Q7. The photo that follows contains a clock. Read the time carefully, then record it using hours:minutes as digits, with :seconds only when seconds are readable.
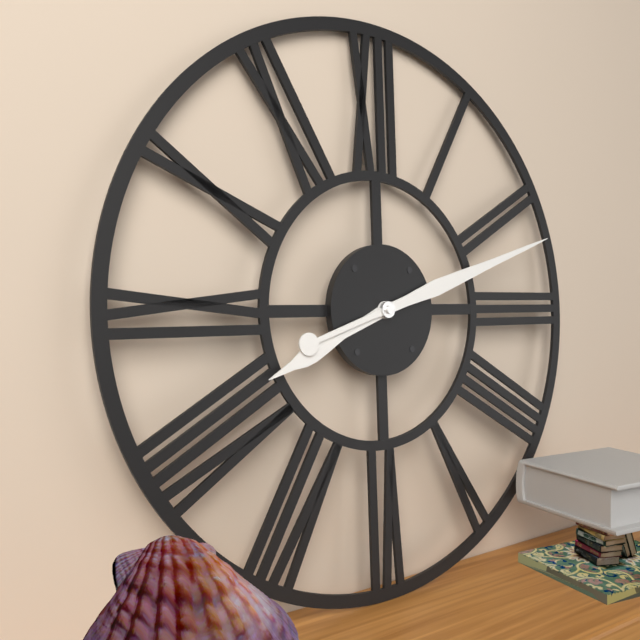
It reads 8:12
